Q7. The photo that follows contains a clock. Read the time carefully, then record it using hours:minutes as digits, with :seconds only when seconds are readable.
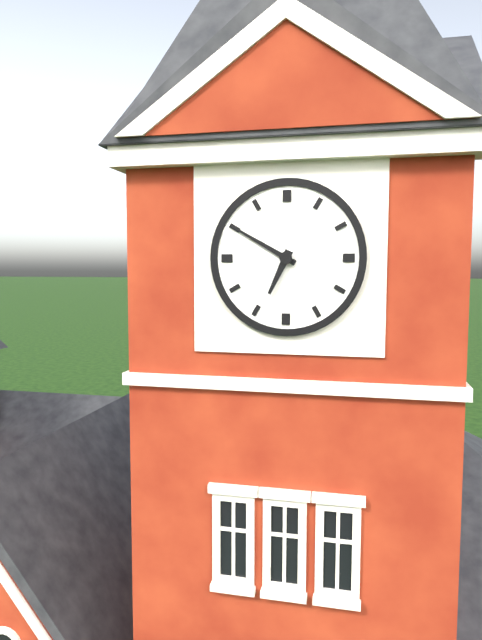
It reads 6:50
